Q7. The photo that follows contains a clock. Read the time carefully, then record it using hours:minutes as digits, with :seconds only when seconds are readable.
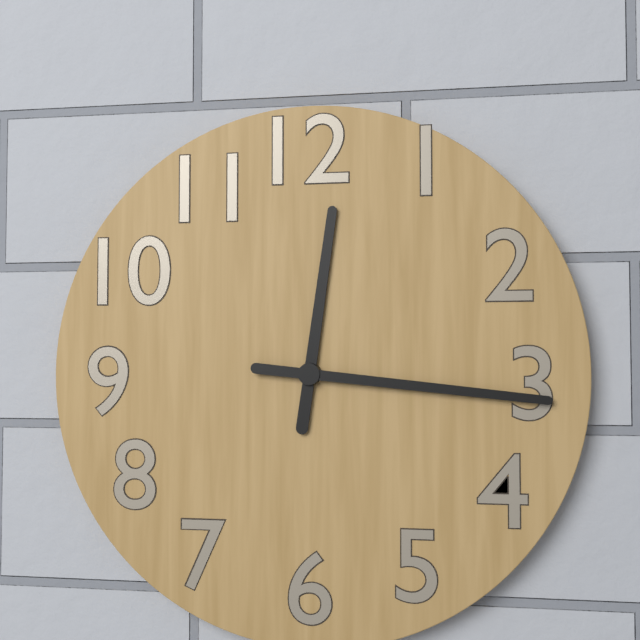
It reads 12:16
